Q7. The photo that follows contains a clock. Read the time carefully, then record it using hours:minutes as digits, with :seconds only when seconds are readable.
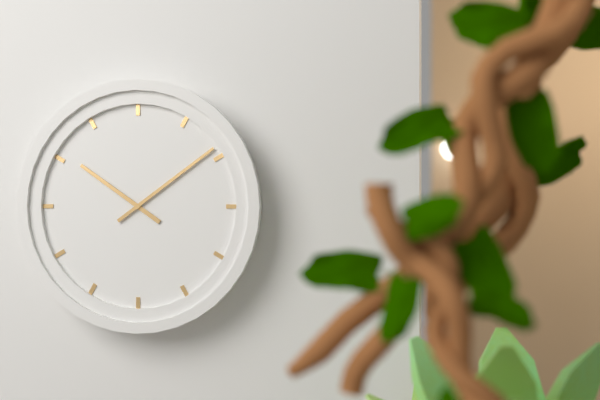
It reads 10:09
